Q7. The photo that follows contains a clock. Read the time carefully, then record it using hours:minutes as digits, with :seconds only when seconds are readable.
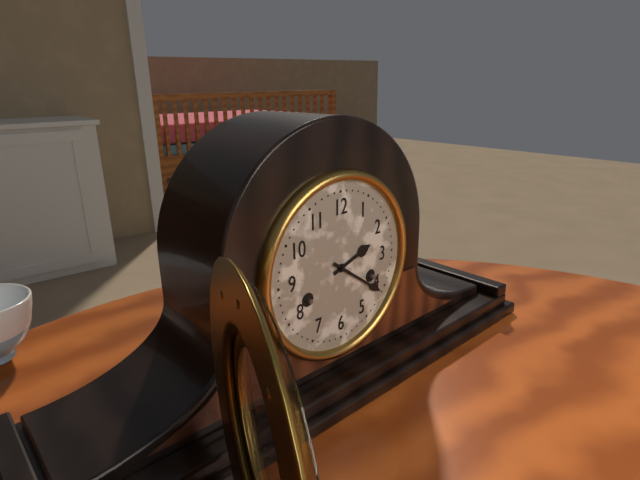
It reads 2:21
